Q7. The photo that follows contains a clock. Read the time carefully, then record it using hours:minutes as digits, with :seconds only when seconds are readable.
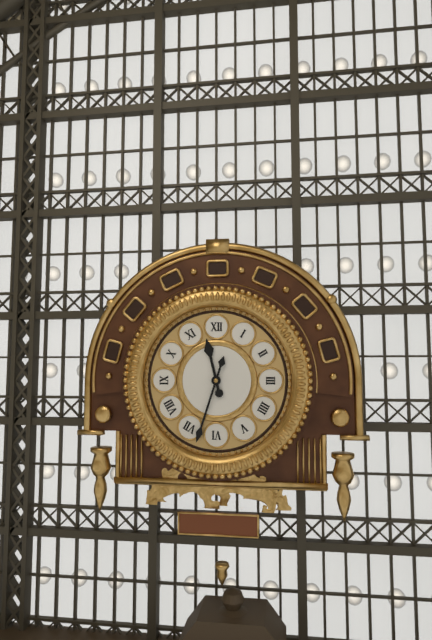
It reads 11:33
